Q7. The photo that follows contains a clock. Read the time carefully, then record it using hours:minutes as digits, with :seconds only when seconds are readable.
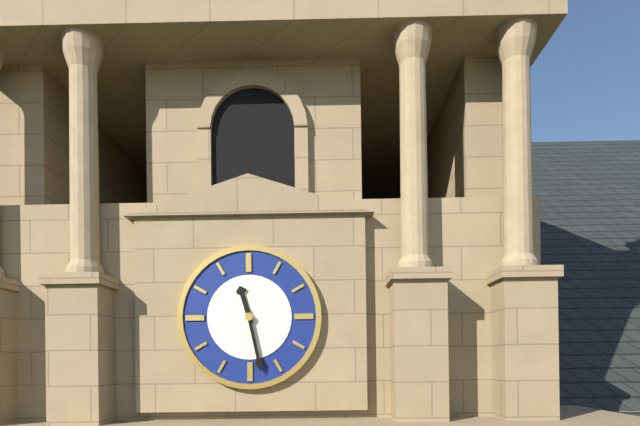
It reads 11:28
